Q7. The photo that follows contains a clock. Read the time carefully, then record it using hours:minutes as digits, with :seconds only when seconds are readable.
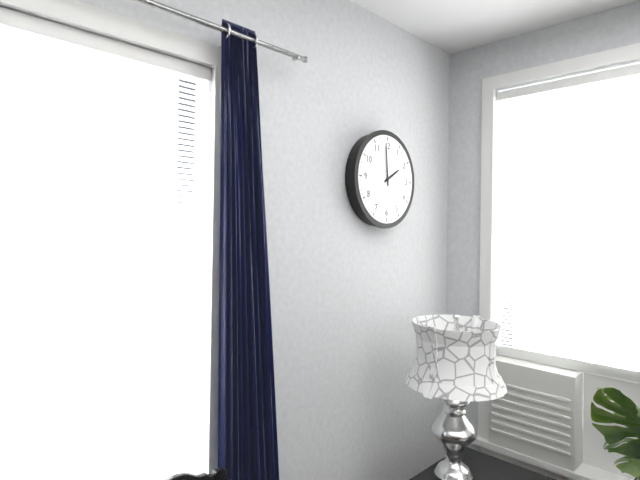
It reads 1:59
